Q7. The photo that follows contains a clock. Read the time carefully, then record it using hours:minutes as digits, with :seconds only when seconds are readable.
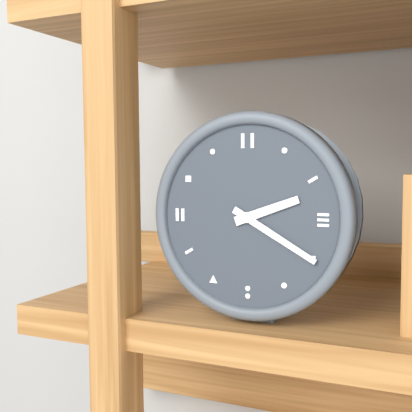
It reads 2:20
